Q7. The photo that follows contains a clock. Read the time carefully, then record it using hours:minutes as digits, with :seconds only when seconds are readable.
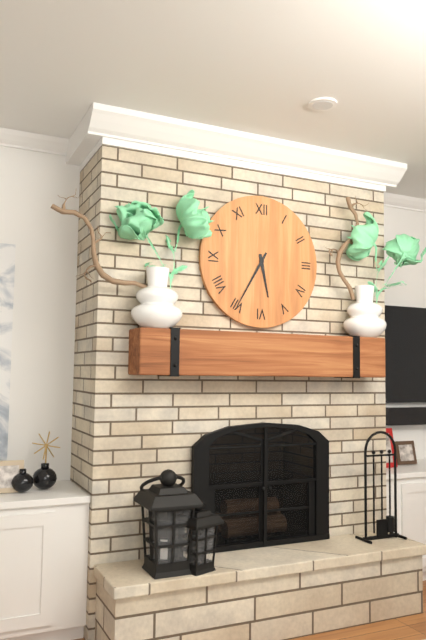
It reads 5:35
